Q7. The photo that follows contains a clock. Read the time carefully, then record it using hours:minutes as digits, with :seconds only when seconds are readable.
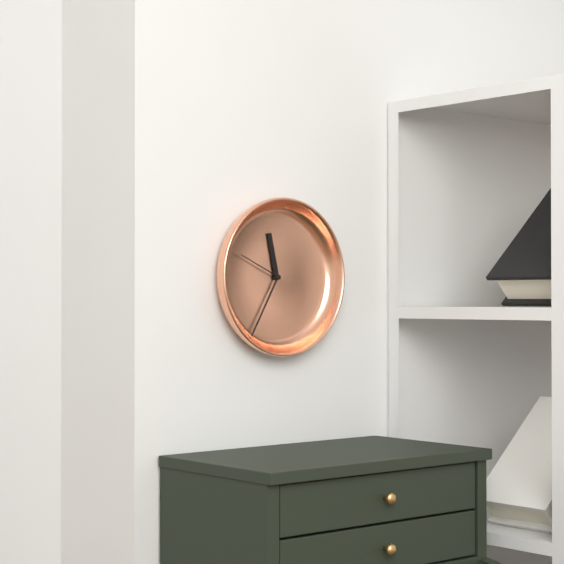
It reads 11:35:49
